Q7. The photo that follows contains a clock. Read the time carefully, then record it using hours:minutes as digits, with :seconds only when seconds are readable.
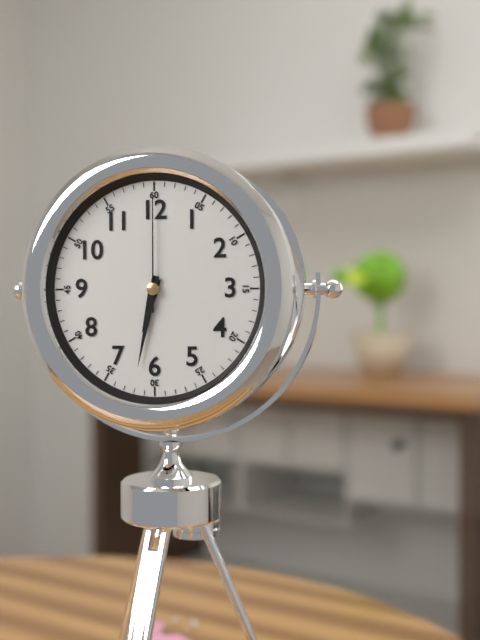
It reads 6:32:00
